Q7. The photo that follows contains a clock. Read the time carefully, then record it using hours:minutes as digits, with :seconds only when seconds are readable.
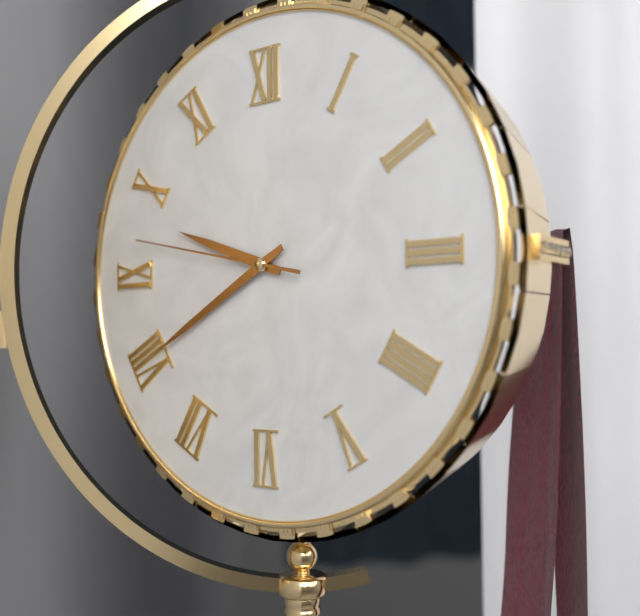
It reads 9:40:47
